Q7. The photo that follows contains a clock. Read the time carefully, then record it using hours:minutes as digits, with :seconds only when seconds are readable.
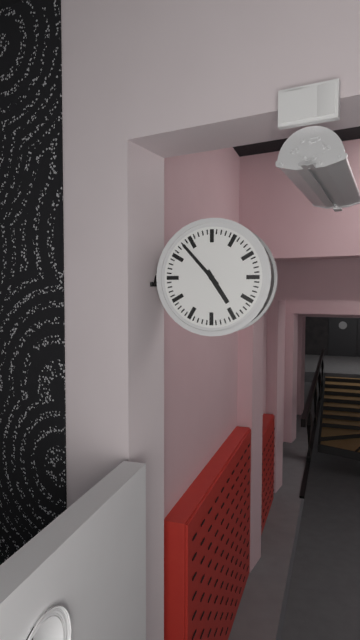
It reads 4:53
